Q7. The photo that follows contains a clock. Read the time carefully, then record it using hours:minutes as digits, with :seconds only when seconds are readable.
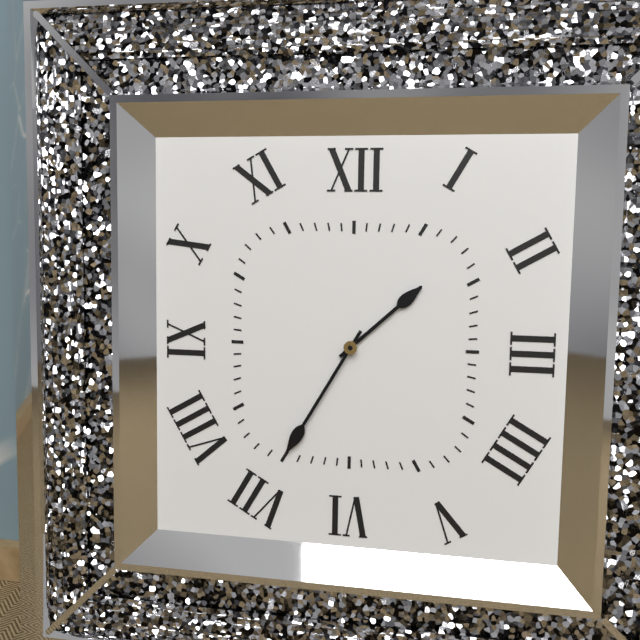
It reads 1:35
